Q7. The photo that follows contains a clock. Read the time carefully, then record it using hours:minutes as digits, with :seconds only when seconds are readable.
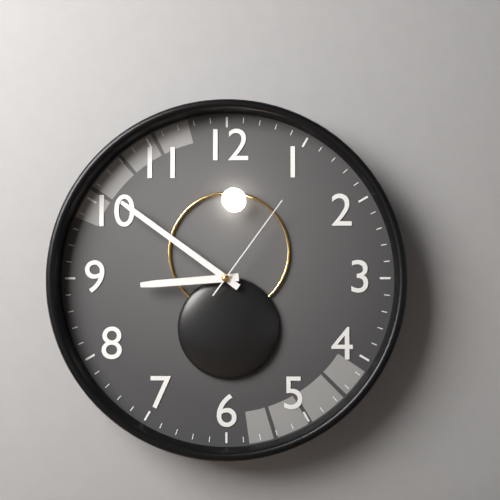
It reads 8:51:06
